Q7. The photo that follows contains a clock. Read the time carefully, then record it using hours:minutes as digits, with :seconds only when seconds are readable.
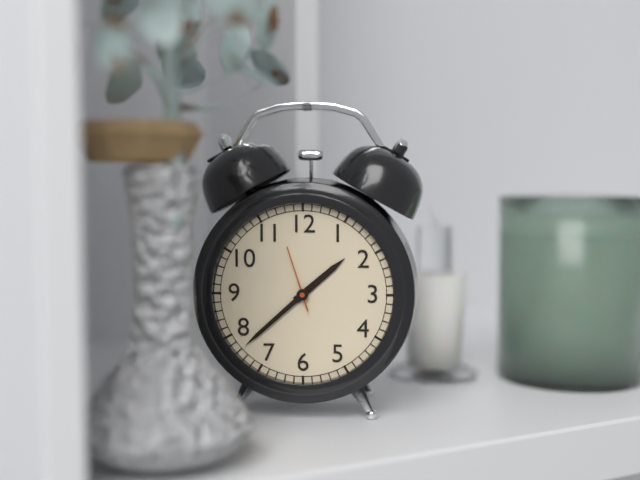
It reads 1:38:57
